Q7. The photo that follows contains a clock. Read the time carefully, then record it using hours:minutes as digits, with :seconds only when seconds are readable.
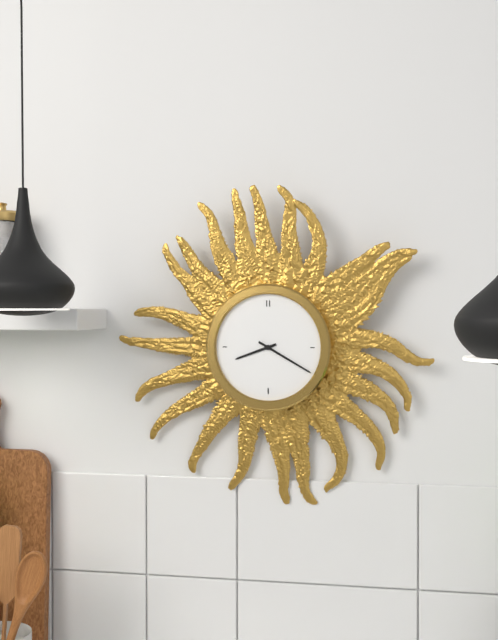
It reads 8:20
